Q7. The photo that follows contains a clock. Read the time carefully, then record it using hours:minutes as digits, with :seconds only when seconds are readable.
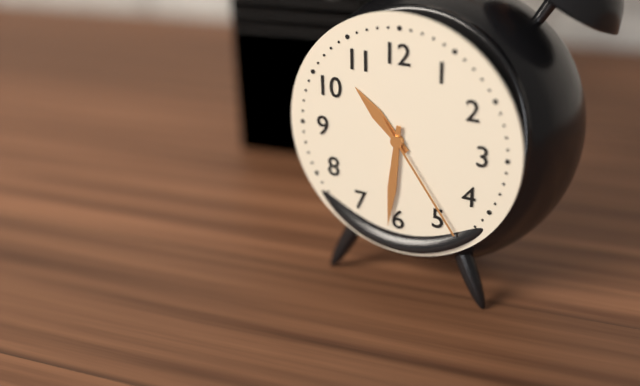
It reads 10:31:24
